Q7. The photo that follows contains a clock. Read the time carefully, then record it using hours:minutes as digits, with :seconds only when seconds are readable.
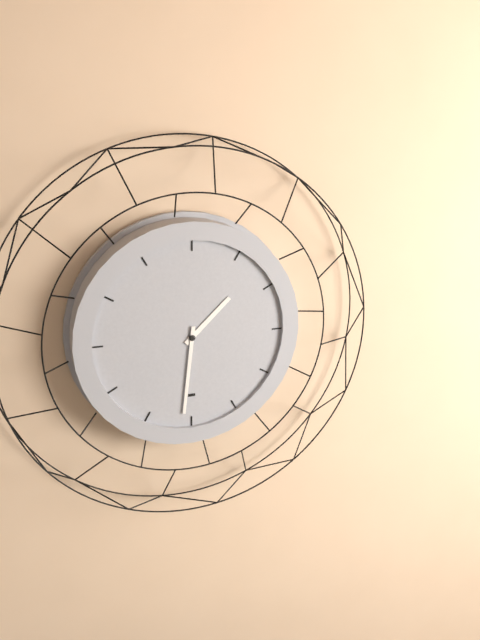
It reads 1:31
